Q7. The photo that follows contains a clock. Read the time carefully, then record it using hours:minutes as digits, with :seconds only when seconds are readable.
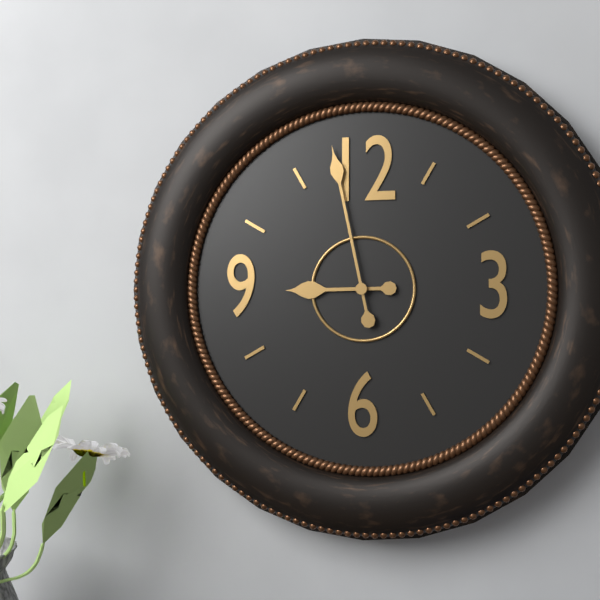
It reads 8:58
